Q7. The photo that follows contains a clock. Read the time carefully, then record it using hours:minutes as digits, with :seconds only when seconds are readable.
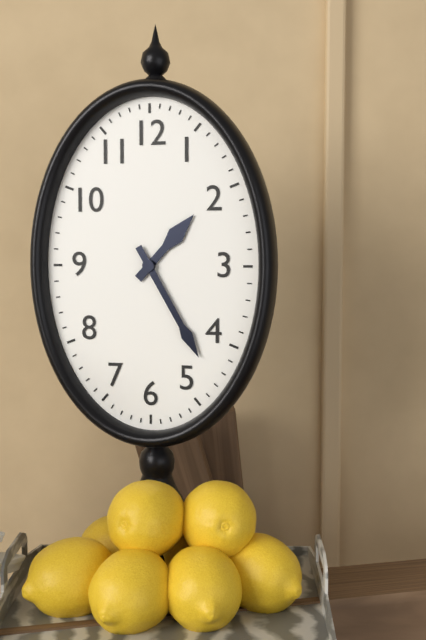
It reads 1:25
